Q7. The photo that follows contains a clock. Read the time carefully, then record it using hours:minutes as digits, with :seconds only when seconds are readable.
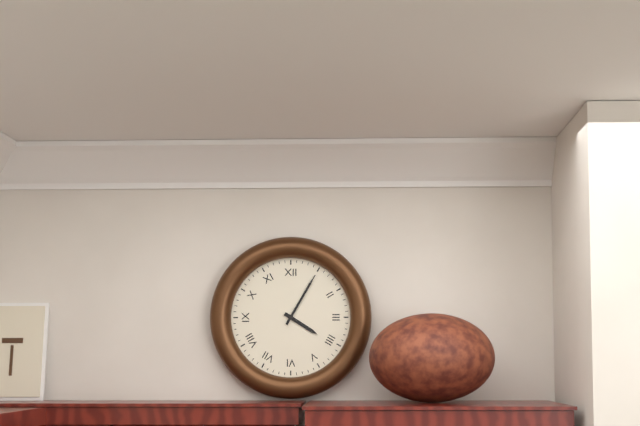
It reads 4:05
